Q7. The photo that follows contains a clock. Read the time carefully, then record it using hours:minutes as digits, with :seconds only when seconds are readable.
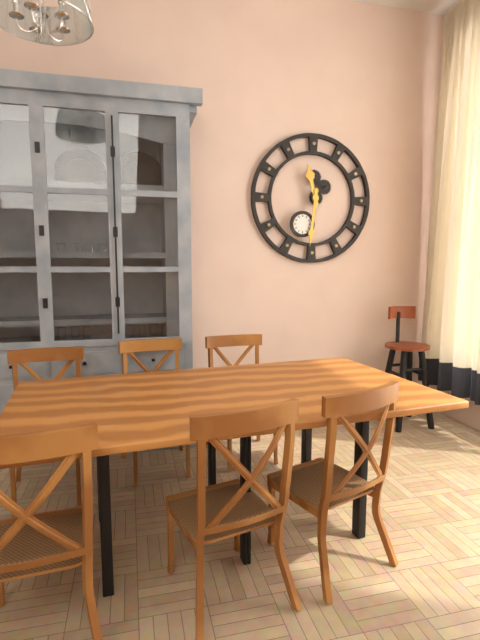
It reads 11:31
